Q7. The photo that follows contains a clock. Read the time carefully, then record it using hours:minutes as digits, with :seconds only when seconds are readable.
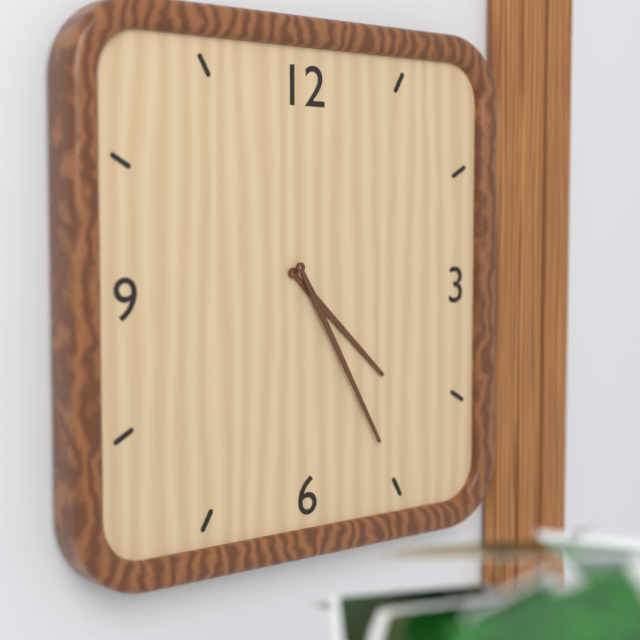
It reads 4:25
